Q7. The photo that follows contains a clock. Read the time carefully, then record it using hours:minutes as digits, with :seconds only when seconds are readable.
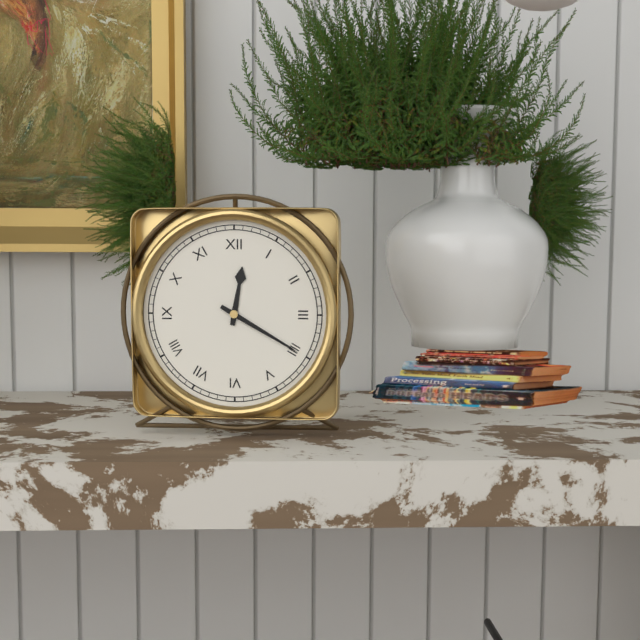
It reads 12:20
